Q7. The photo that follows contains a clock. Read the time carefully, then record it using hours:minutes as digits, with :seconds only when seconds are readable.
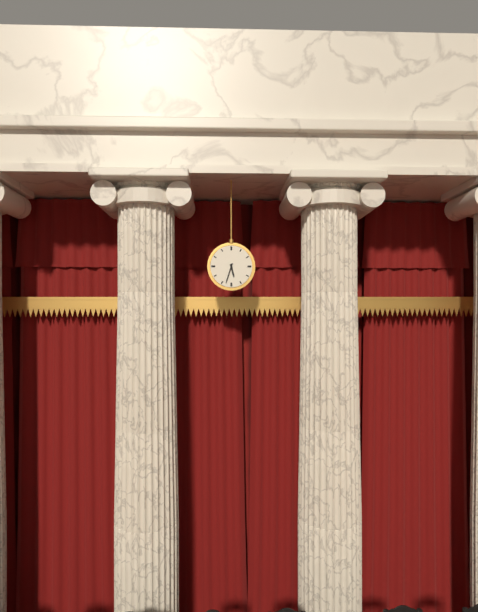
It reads 5:33
